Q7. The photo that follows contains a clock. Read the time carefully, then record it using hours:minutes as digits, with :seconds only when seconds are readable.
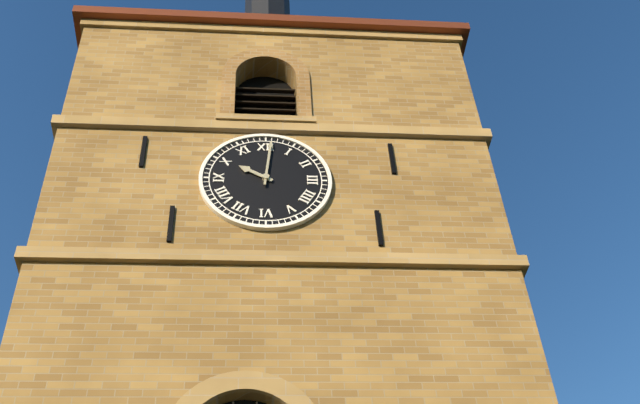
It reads 10:01
